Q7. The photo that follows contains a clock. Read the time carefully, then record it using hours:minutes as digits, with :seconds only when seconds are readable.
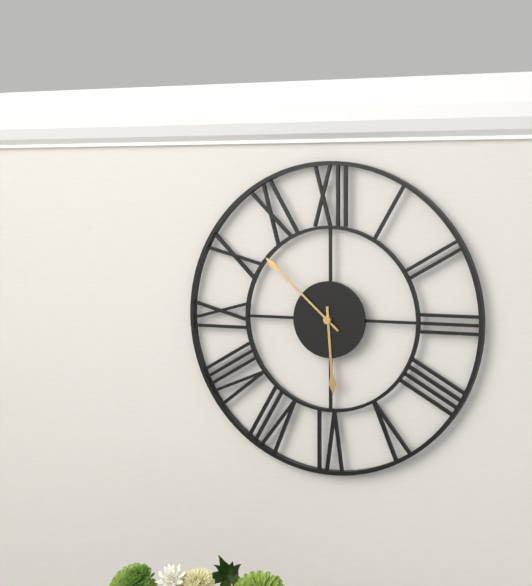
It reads 5:52
